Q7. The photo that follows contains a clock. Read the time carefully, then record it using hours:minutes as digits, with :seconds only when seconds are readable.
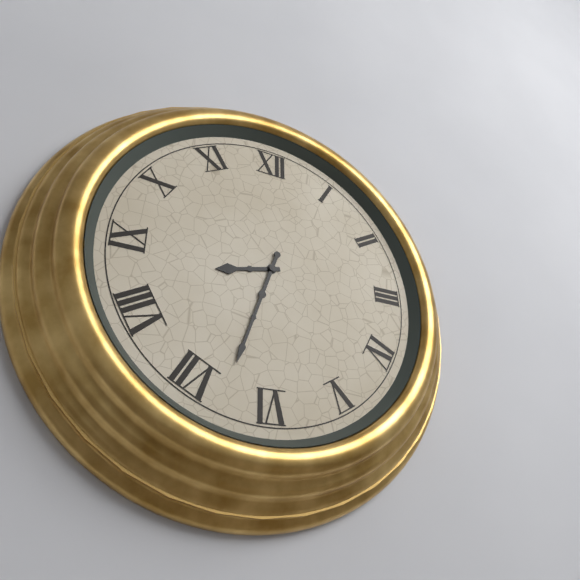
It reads 8:33
